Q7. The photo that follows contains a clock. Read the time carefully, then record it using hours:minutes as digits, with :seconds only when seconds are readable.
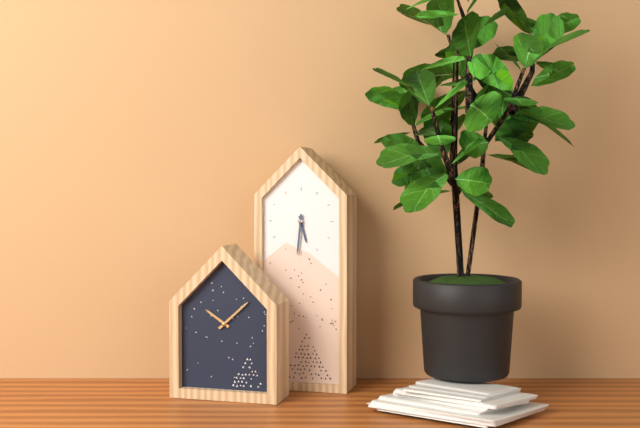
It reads 5:31
